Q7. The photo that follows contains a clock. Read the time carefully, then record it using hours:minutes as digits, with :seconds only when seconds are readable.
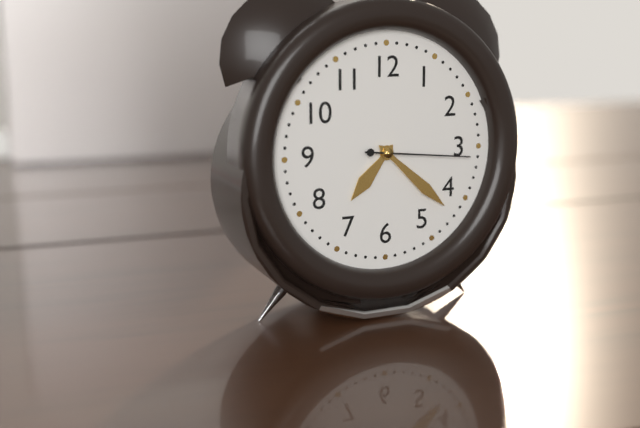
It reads 7:22:16
